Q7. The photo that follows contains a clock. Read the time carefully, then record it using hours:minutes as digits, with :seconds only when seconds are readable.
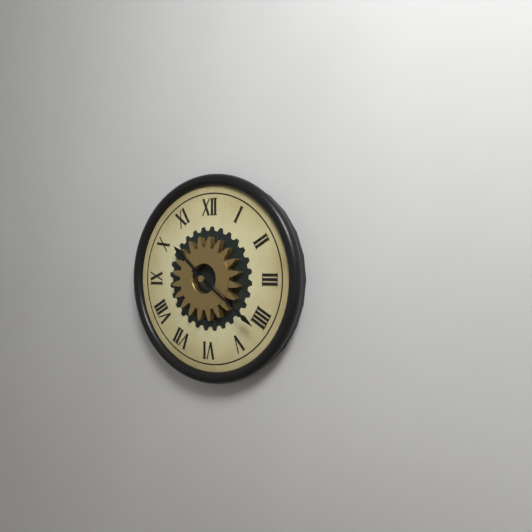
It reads 10:21
